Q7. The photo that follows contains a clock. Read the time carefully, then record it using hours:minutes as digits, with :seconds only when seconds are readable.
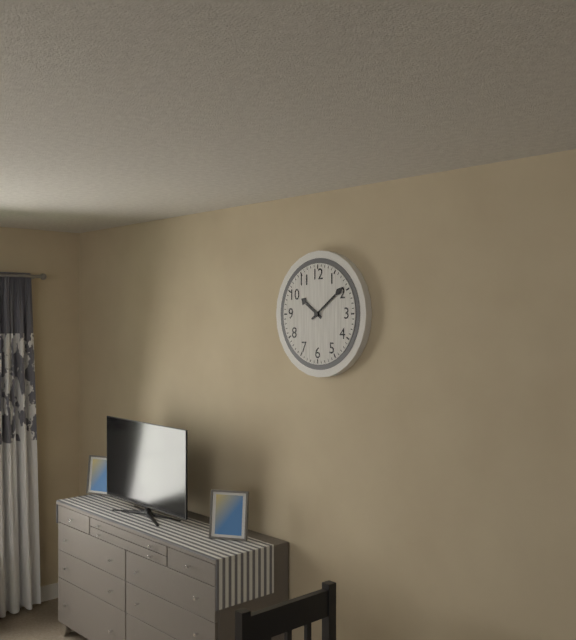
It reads 10:09
